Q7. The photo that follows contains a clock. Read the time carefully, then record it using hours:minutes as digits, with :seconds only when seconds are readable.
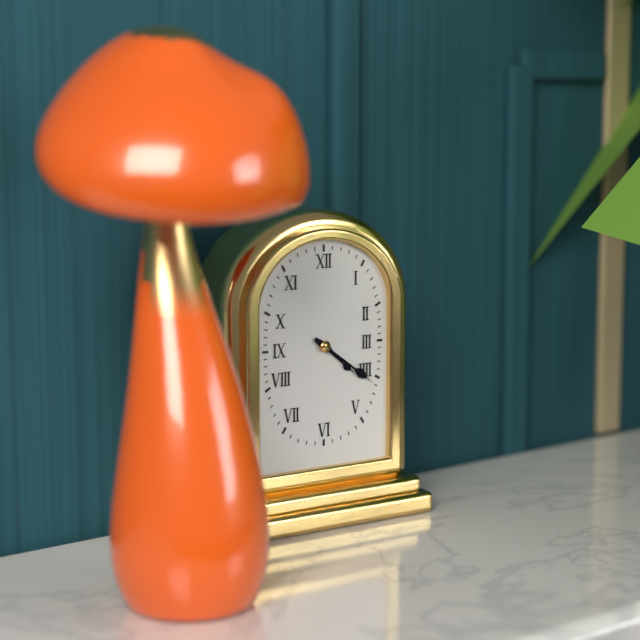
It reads 4:21
